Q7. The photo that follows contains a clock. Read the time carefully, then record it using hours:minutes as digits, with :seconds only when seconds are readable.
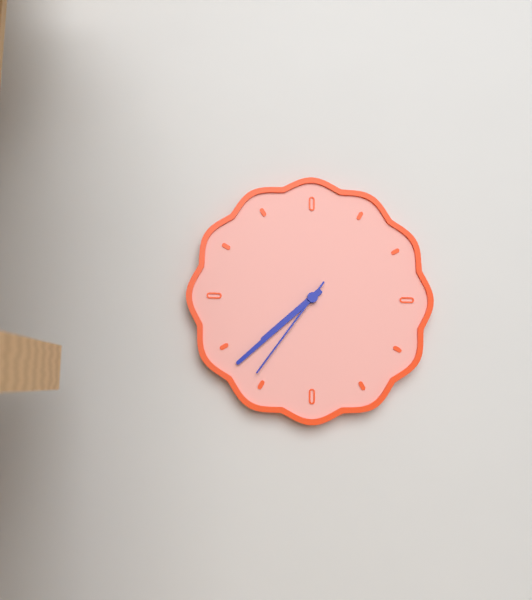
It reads 7:38:36
